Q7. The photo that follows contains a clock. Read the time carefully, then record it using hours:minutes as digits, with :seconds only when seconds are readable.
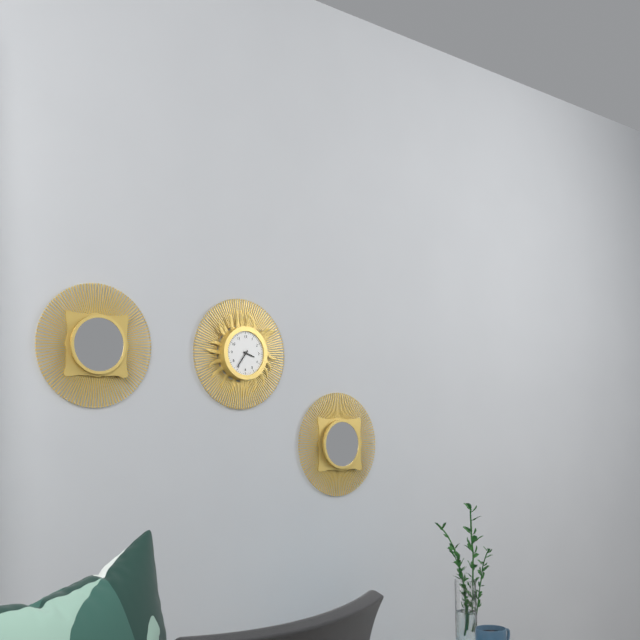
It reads 3:36
